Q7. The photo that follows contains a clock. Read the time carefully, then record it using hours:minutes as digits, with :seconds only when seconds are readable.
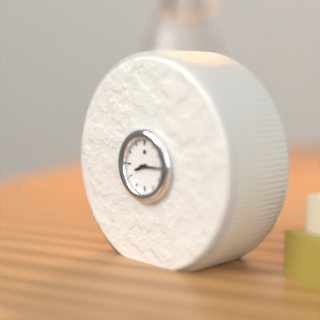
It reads 8:15
